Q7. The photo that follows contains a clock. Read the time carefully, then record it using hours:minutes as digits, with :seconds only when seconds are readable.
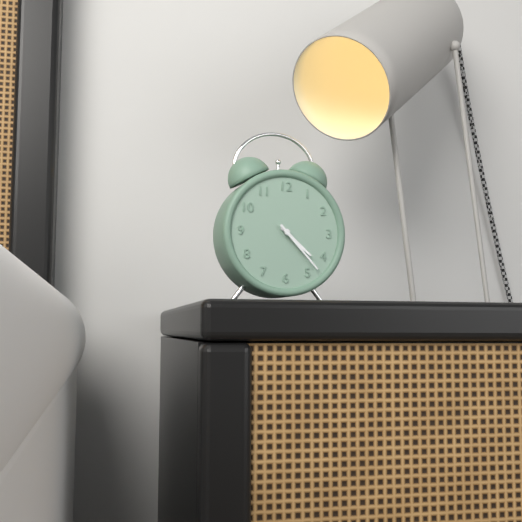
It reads 4:23
